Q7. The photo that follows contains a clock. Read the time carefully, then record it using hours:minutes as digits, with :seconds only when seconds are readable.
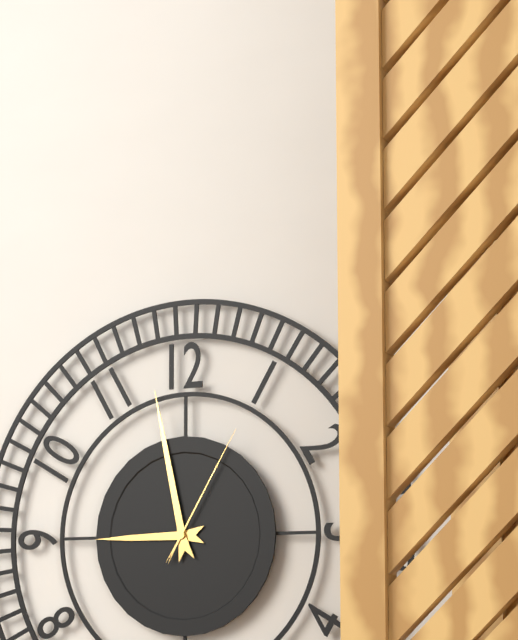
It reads 8:58:05
